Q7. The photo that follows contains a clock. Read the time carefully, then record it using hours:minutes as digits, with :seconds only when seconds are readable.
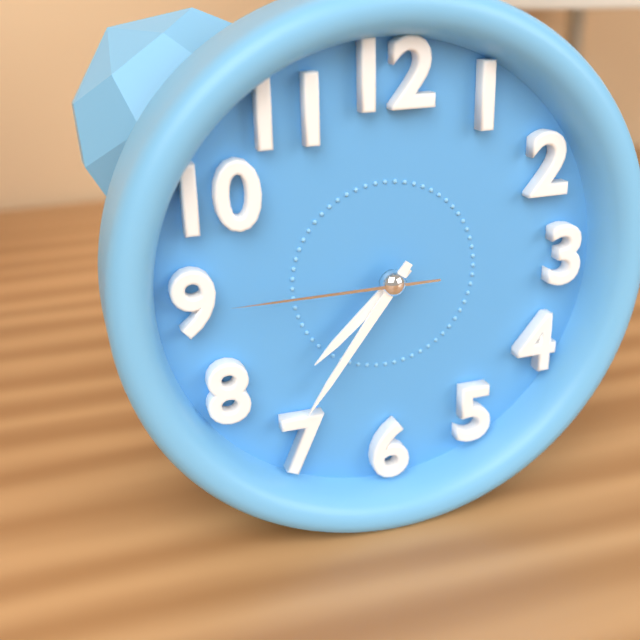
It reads 7:36:45
